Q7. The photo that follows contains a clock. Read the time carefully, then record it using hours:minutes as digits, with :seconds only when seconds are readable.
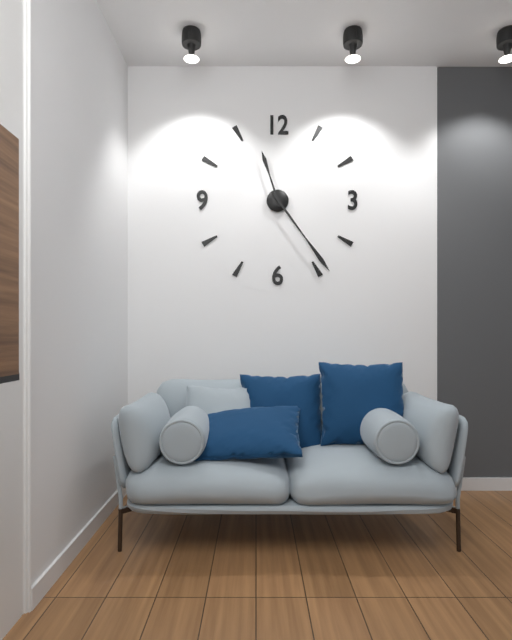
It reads 11:24
